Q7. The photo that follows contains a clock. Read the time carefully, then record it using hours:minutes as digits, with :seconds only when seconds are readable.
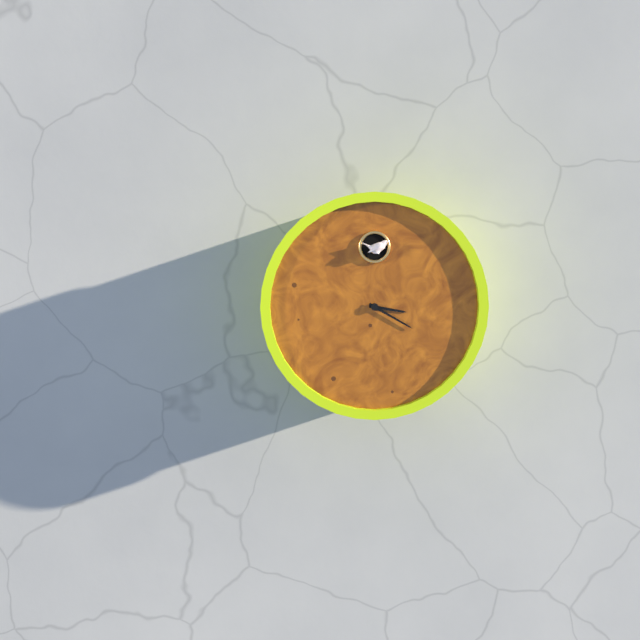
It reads 3:20
